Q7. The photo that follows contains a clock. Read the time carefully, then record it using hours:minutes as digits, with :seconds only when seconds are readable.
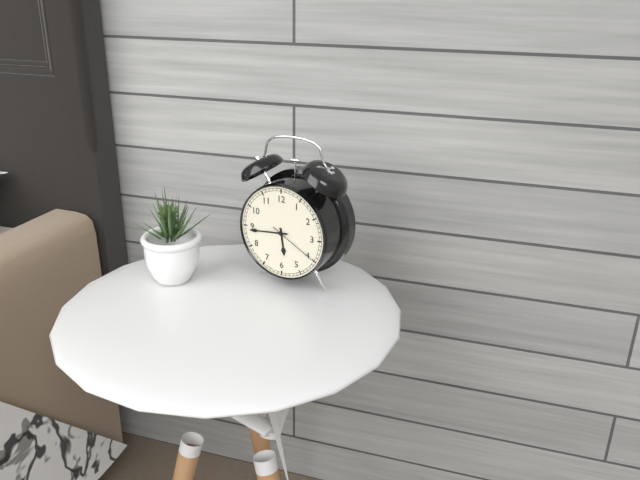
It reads 5:44
